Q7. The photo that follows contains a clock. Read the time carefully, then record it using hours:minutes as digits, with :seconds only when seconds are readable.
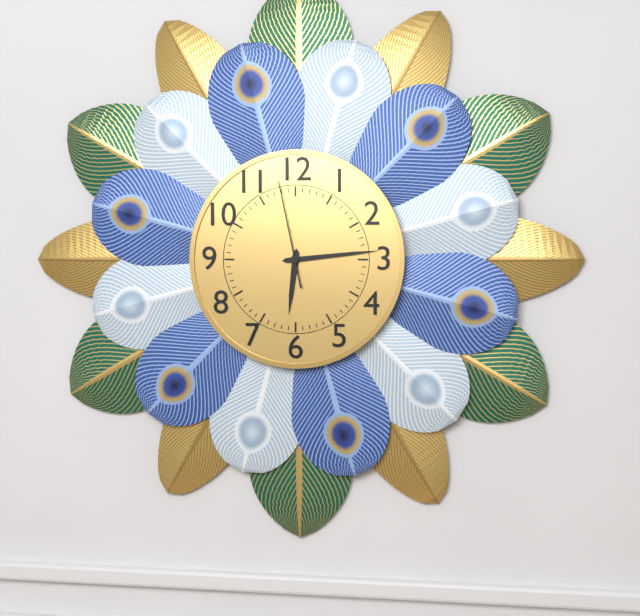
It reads 6:14:58
